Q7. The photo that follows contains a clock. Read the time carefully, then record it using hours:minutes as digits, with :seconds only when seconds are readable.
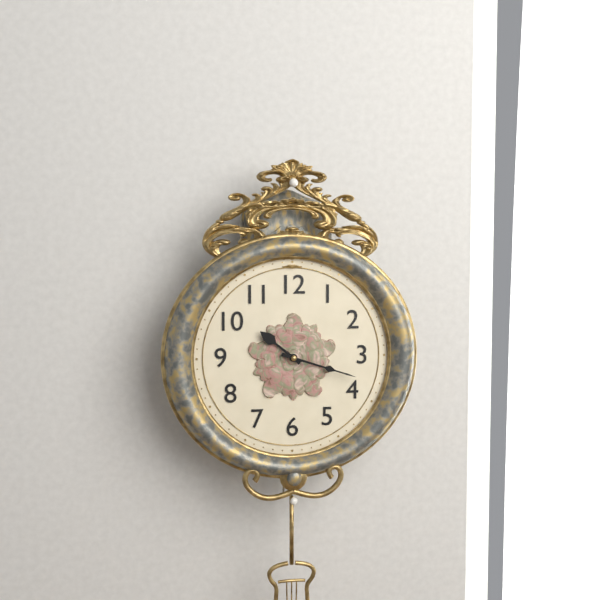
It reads 10:18
